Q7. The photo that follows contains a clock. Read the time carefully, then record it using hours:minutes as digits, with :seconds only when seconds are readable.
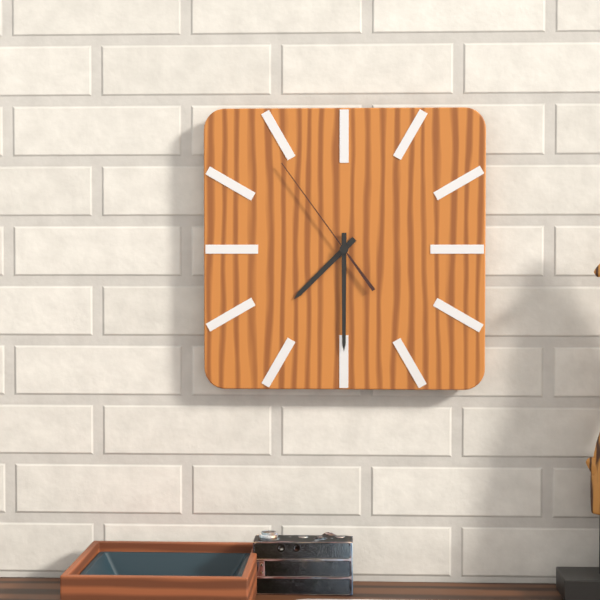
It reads 7:30:54
